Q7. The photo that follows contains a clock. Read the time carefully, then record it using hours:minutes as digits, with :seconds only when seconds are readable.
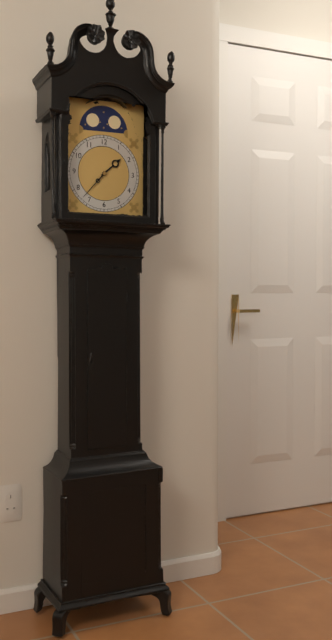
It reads 1:37
